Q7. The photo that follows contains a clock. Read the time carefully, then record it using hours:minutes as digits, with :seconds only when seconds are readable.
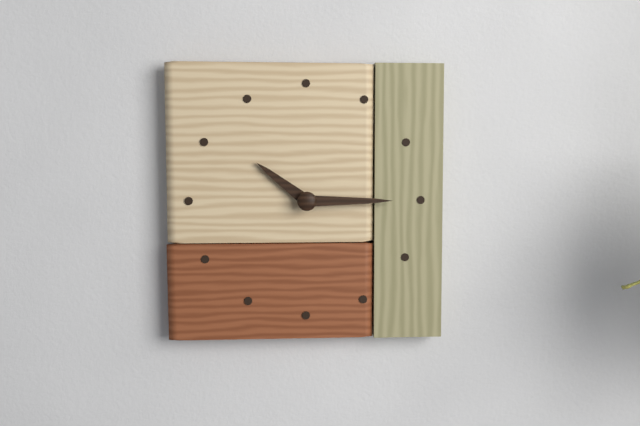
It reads 10:15
